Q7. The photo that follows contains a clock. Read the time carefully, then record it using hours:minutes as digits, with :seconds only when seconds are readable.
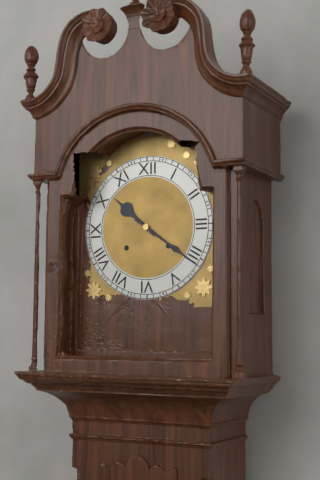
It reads 10:21
